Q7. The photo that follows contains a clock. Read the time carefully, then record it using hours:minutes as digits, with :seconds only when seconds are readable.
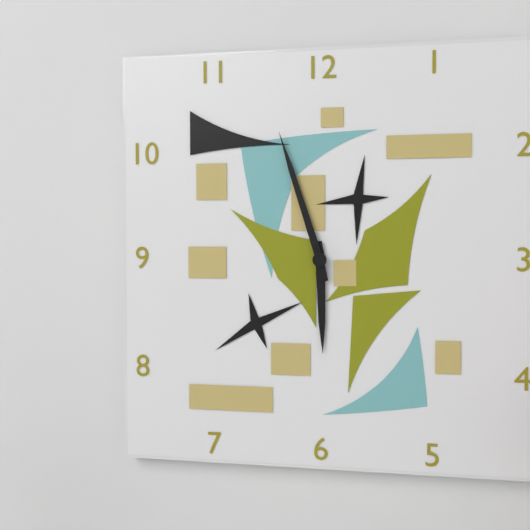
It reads 5:57
